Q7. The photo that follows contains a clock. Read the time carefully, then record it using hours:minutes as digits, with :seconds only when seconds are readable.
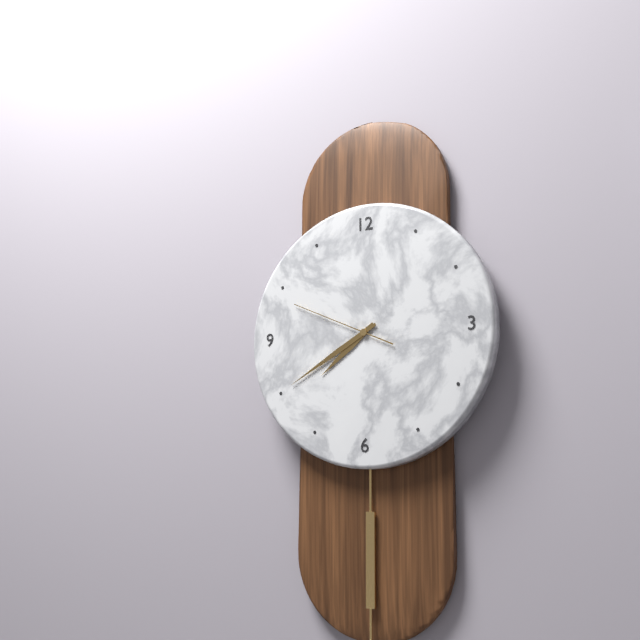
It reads 7:40:49
